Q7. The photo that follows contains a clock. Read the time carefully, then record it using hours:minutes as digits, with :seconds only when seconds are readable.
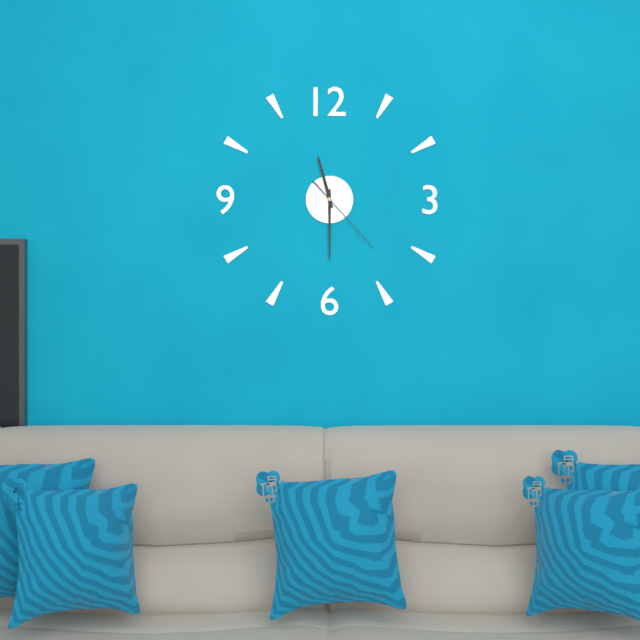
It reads 11:30:23
